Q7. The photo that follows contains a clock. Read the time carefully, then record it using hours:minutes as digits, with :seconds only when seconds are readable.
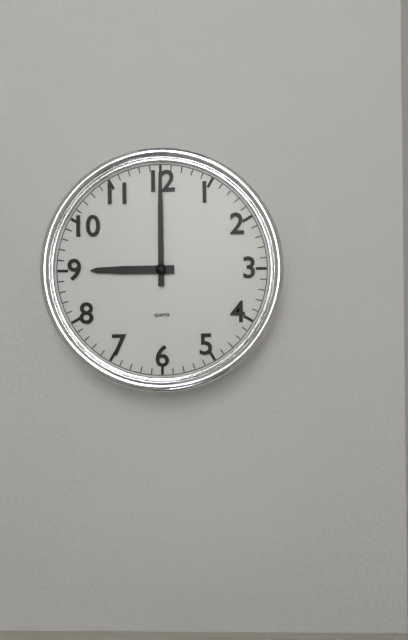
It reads 9:00
